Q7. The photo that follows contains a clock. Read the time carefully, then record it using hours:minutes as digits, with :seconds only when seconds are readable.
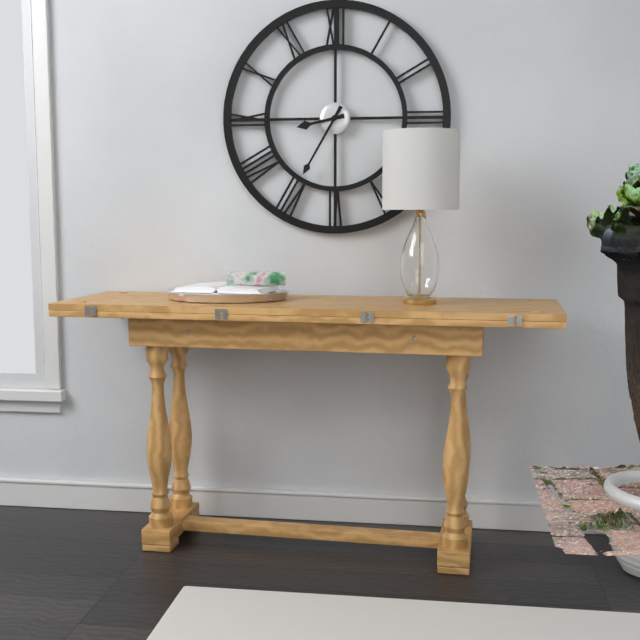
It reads 8:35
